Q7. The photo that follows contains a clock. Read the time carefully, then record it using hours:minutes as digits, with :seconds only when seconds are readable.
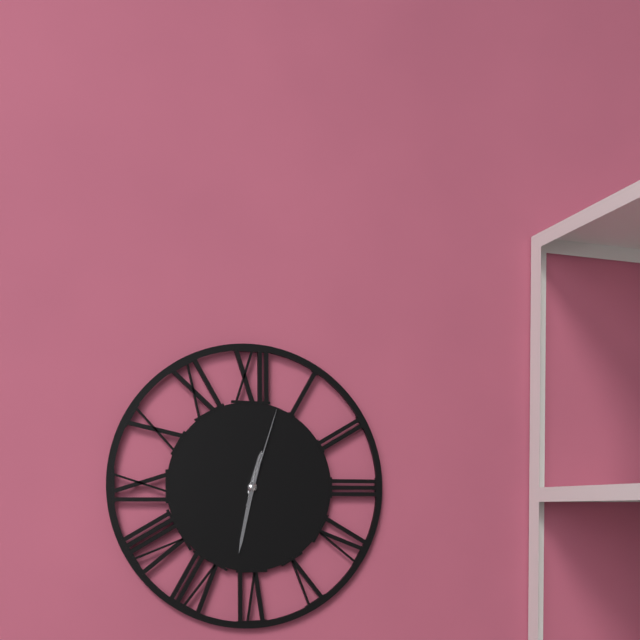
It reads 12:32:03
